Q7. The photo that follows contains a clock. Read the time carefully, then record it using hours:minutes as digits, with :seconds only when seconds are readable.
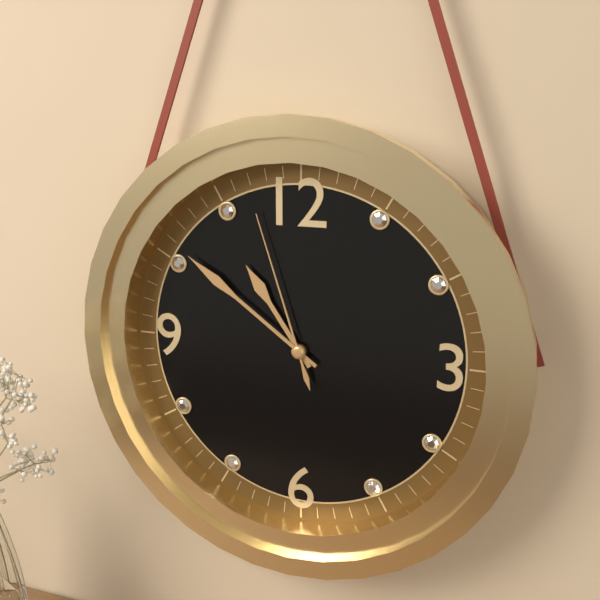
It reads 10:51:57
